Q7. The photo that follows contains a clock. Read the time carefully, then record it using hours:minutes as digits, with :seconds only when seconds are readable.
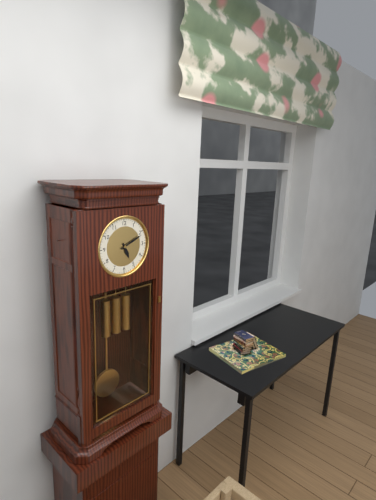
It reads 5:11
